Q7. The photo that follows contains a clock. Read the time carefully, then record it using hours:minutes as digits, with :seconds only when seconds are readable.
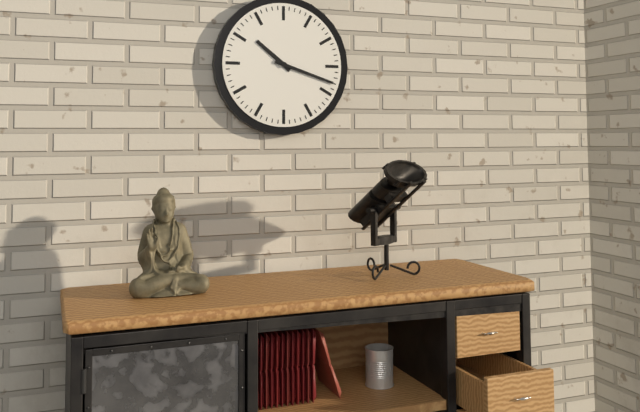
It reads 10:18
